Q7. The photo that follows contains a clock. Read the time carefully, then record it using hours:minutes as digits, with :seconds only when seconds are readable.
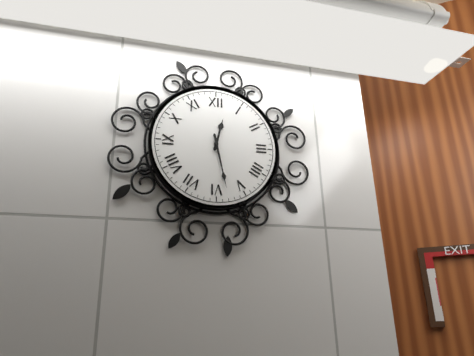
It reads 12:28
